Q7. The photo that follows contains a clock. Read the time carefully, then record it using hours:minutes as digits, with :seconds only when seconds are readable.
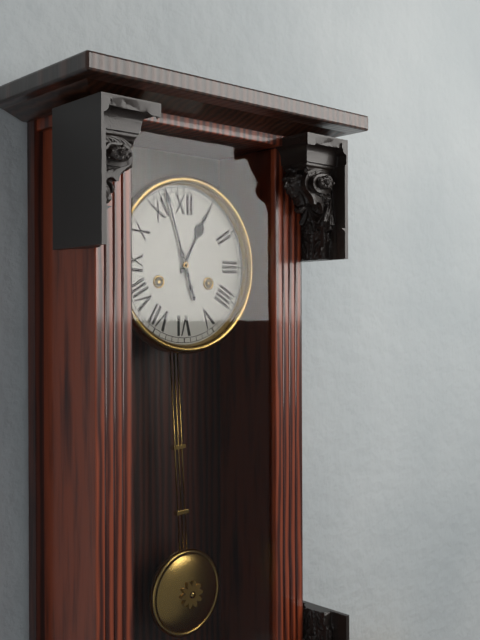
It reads 12:57
